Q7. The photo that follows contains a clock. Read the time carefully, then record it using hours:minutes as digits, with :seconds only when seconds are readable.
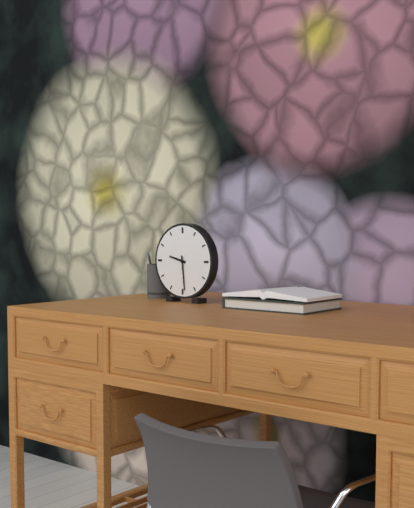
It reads 9:29
